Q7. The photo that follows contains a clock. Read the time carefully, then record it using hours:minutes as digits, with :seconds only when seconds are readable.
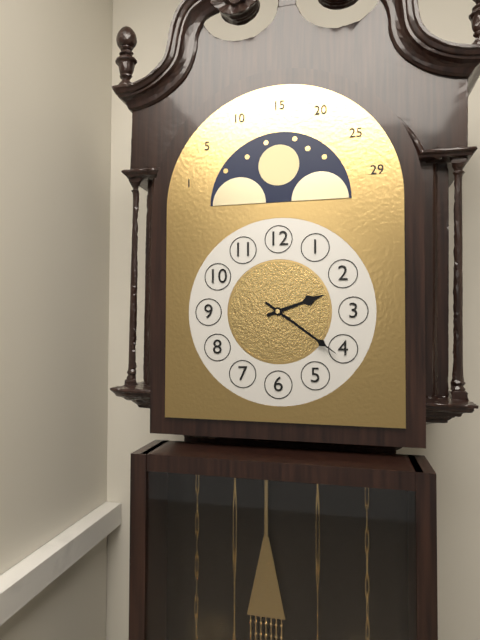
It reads 2:21
